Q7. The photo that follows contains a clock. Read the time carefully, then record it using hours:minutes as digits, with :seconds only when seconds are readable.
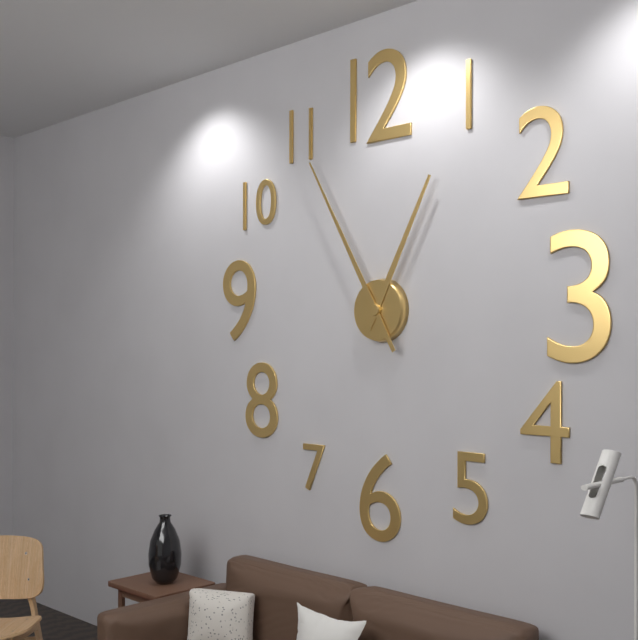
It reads 12:55
